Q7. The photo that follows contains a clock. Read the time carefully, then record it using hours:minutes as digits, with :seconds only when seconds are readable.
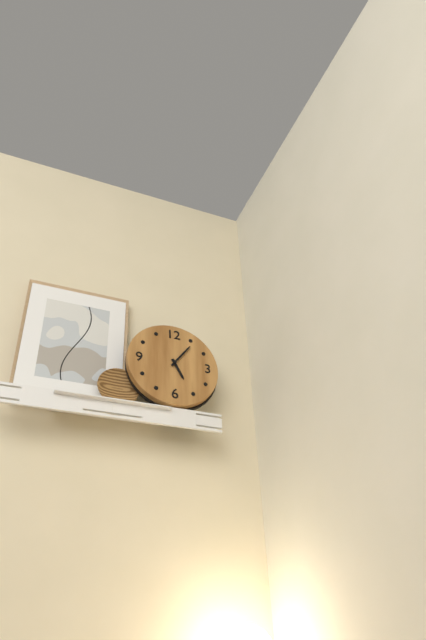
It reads 5:06
